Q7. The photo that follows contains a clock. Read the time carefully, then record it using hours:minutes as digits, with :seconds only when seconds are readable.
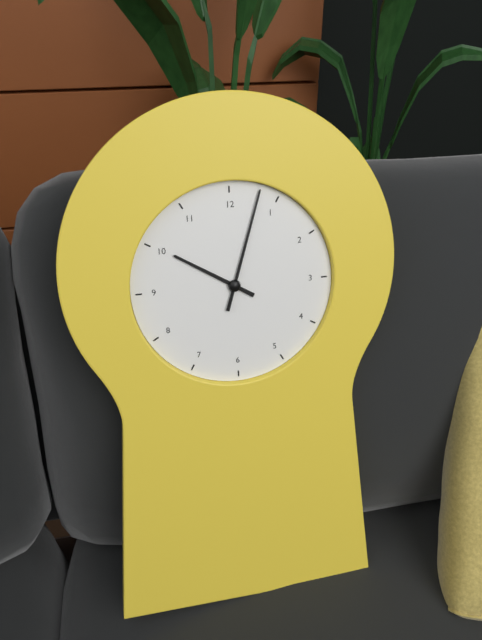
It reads 10:03
